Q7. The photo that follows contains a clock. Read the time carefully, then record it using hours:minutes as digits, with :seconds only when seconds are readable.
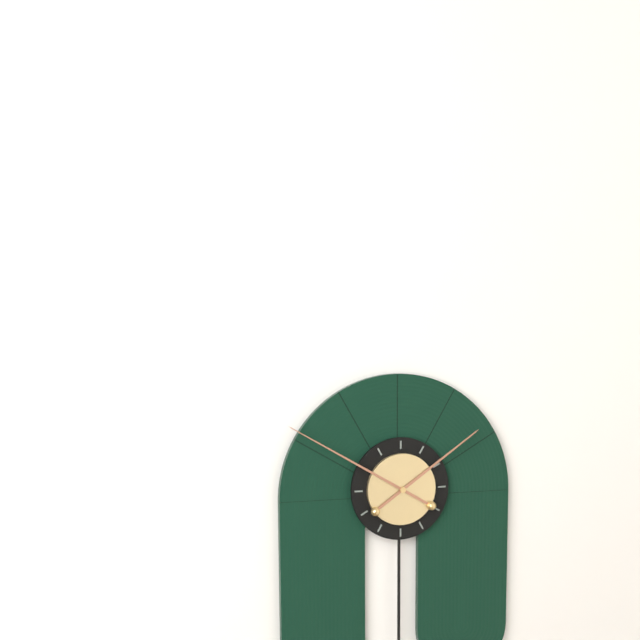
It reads 1:50
